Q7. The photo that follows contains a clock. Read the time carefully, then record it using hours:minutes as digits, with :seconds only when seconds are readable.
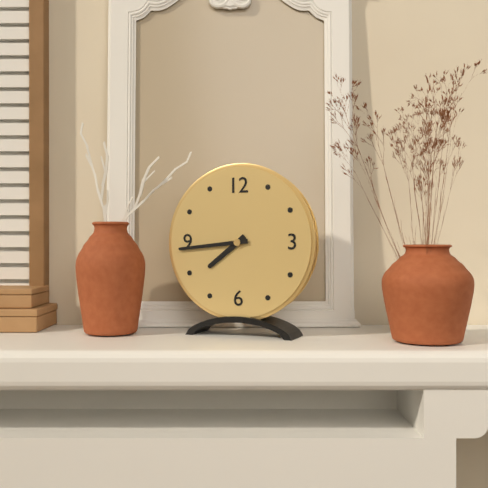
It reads 7:44
